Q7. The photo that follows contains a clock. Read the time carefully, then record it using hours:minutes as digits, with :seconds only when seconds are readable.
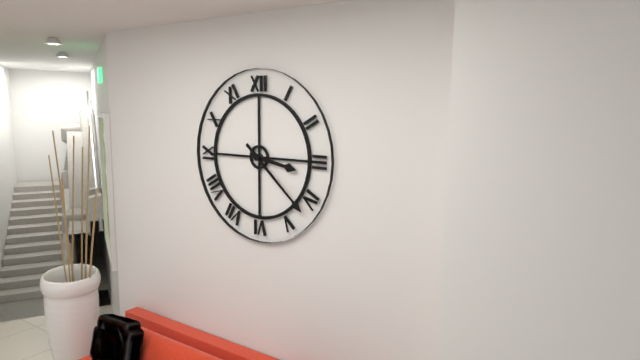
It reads 3:22
